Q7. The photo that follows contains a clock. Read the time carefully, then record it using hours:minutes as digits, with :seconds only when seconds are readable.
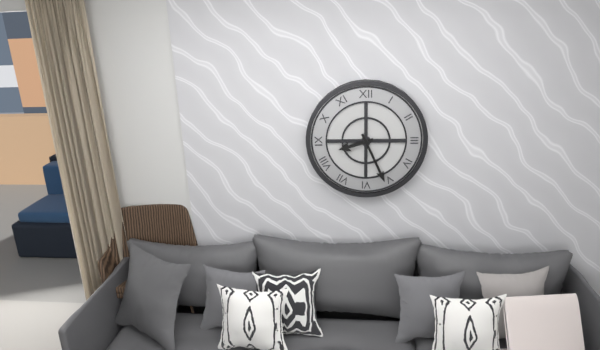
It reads 8:26
